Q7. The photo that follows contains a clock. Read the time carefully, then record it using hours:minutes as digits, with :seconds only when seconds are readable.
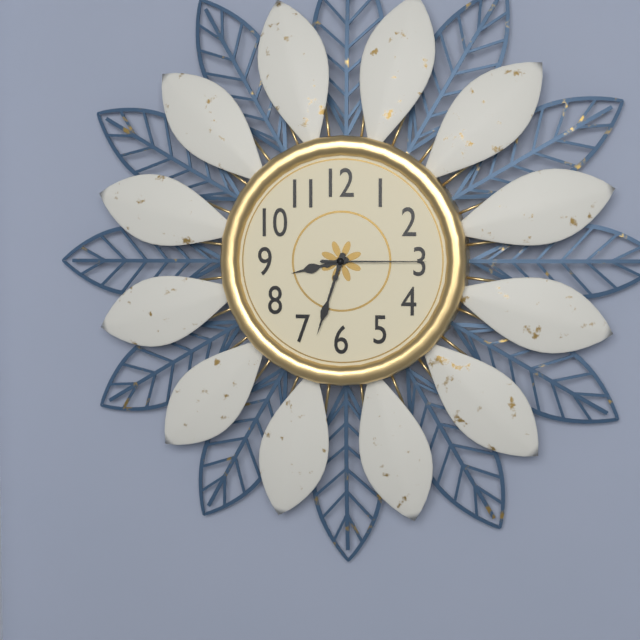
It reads 8:33:15
